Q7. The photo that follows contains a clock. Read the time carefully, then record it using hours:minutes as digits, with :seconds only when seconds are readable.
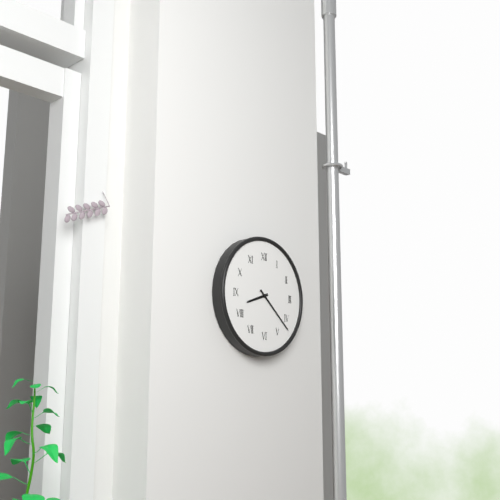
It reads 8:22
